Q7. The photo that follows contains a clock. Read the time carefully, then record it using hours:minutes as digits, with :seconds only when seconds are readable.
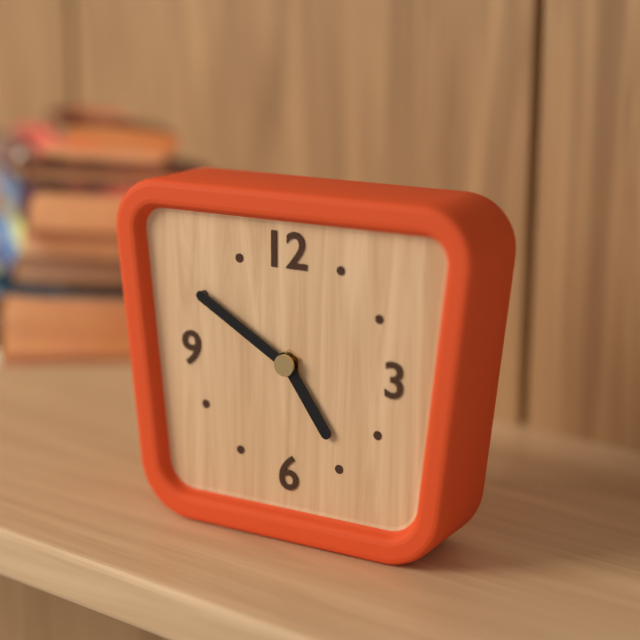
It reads 4:50
